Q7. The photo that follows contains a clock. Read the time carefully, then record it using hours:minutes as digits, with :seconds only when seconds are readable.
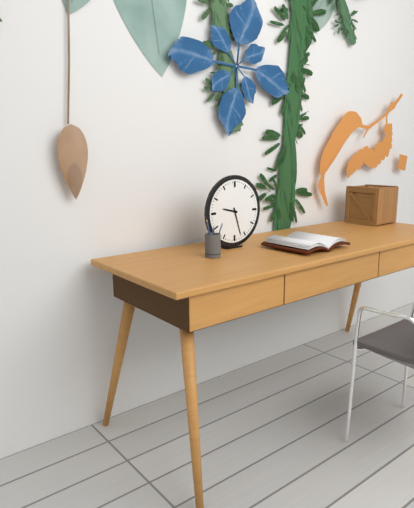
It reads 9:27
